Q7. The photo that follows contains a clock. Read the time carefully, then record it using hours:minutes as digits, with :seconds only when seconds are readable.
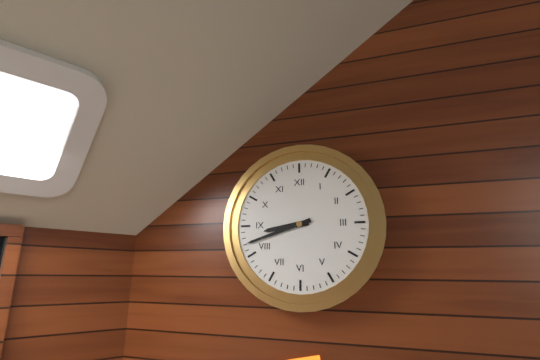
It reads 8:42
